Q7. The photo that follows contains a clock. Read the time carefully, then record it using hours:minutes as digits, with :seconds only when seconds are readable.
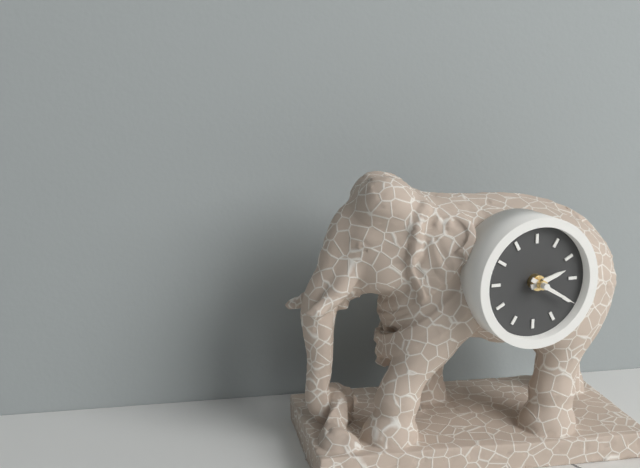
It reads 2:20
